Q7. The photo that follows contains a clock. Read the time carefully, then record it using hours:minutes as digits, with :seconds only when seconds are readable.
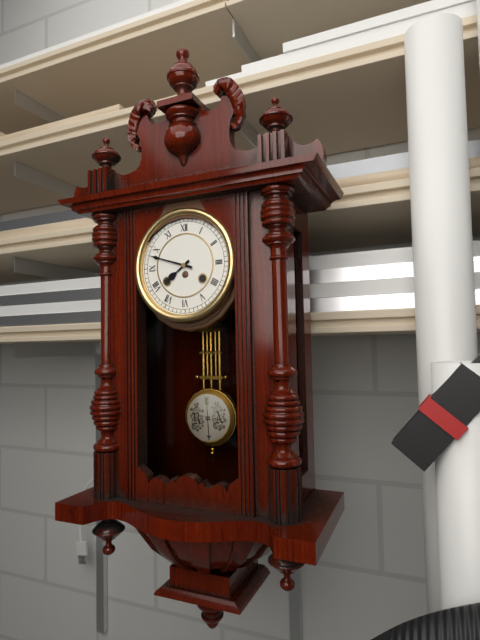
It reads 7:48
